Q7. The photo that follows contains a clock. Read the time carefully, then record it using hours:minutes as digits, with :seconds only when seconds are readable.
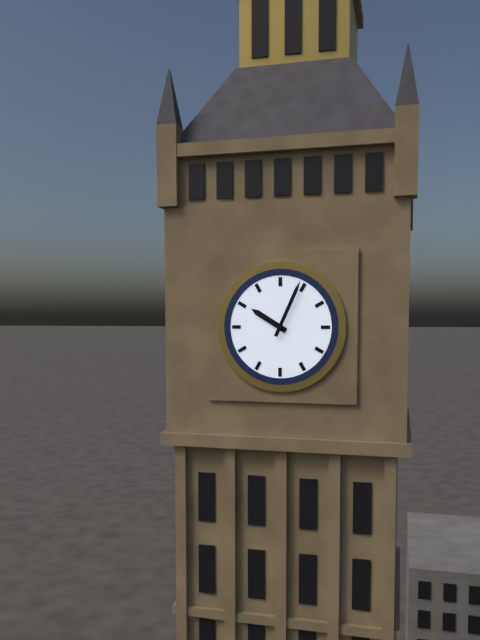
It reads 10:04
